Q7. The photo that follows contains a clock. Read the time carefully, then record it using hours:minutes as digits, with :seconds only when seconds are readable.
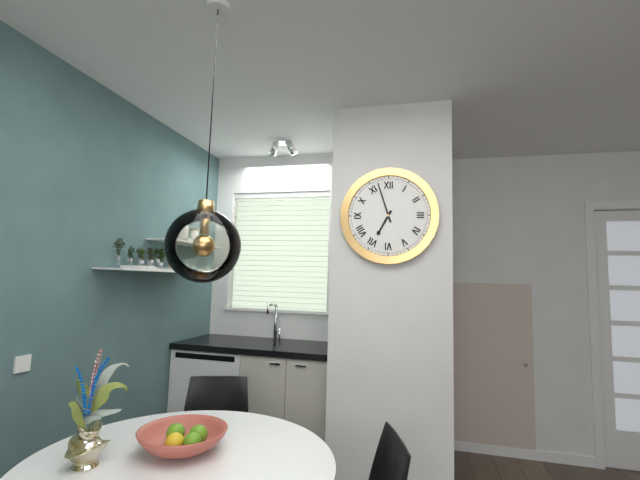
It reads 6:57
